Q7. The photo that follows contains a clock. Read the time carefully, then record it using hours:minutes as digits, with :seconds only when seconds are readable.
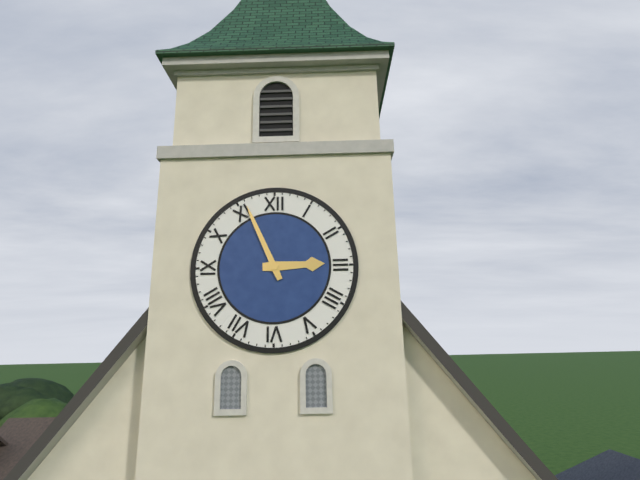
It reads 2:56
